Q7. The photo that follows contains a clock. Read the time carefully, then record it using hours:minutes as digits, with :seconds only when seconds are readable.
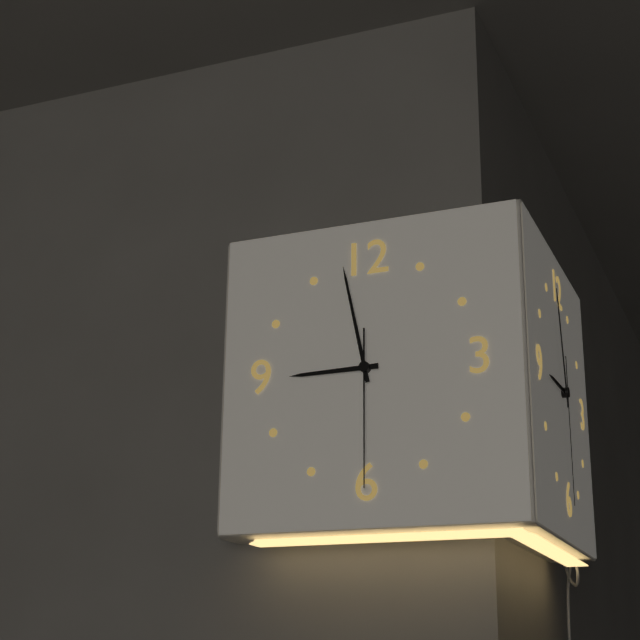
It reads 8:58:30
